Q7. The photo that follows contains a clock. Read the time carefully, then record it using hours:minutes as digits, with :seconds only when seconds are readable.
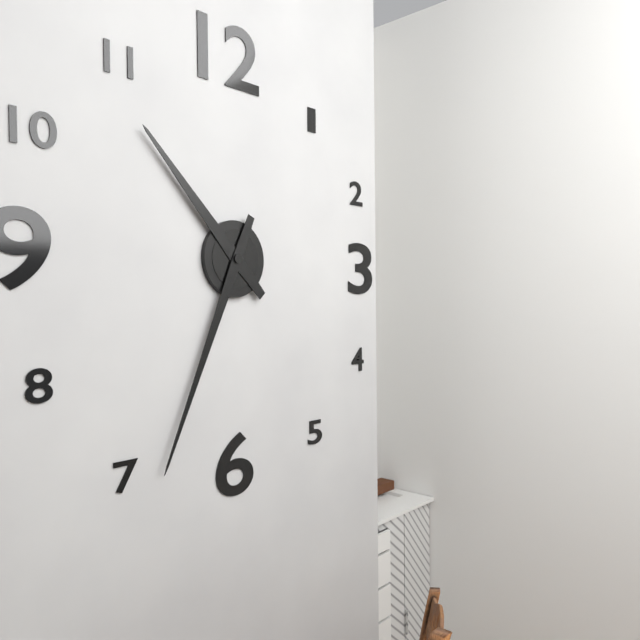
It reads 10:34
